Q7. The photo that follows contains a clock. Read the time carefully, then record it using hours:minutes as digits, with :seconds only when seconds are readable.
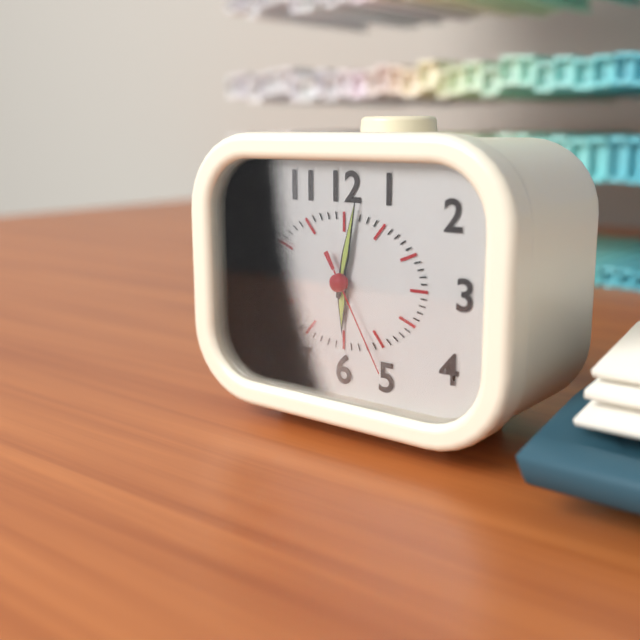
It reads 6:02:25
